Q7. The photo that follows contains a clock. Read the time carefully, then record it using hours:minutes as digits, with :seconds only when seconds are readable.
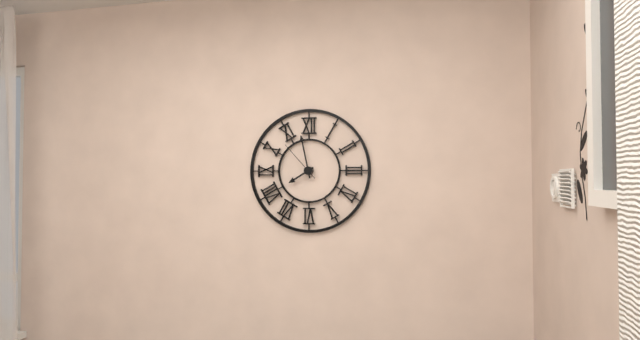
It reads 7:58
